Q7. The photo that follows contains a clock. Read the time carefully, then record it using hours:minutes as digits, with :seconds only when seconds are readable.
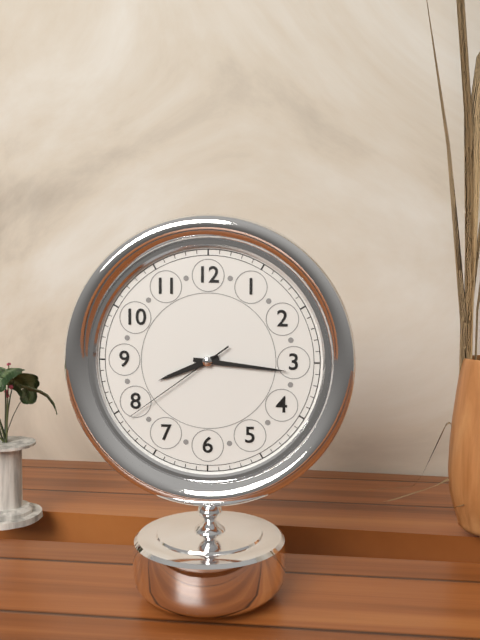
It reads 8:16:39
